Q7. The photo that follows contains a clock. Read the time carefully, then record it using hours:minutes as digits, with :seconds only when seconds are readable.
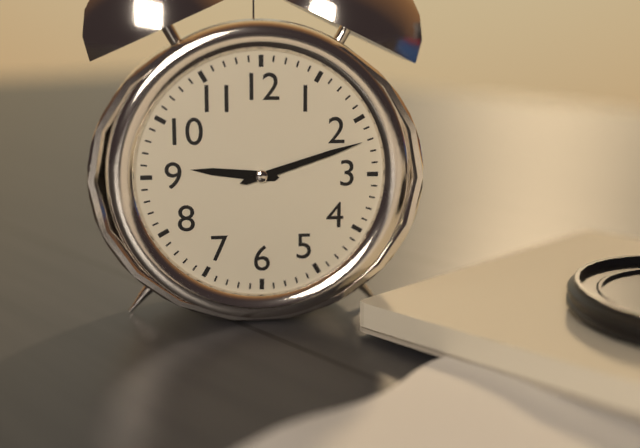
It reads 9:12
